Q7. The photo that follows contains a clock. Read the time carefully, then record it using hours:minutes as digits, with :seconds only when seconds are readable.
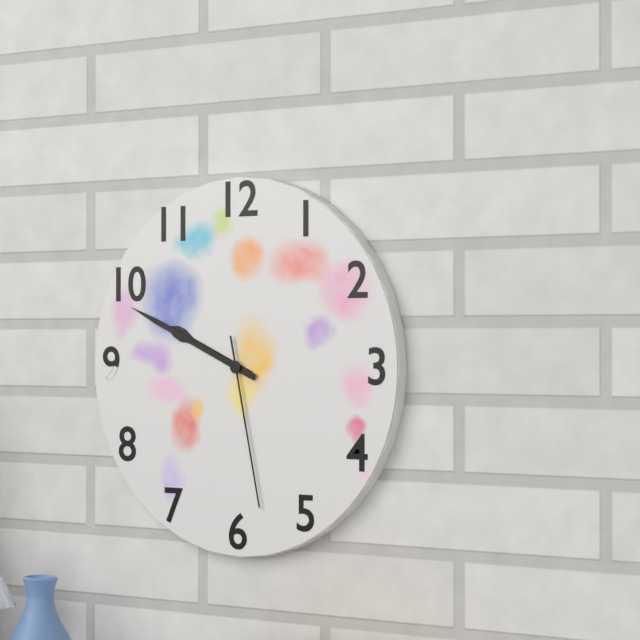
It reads 9:49:28
